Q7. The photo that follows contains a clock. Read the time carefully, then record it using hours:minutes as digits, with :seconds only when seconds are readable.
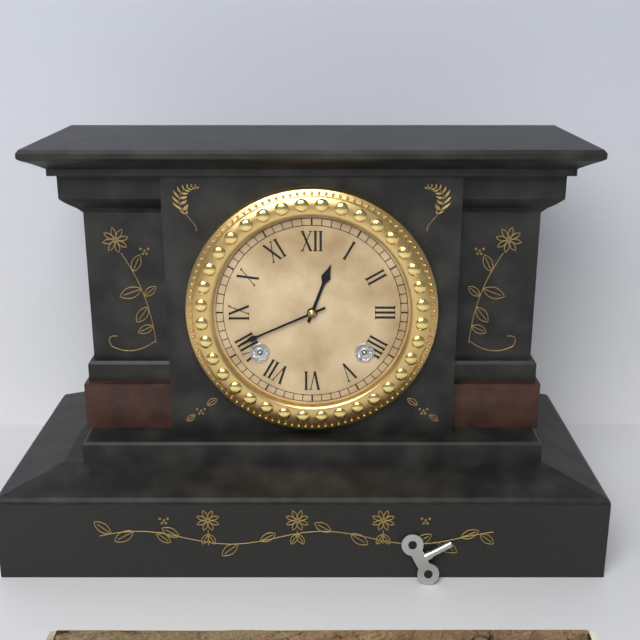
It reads 12:41
